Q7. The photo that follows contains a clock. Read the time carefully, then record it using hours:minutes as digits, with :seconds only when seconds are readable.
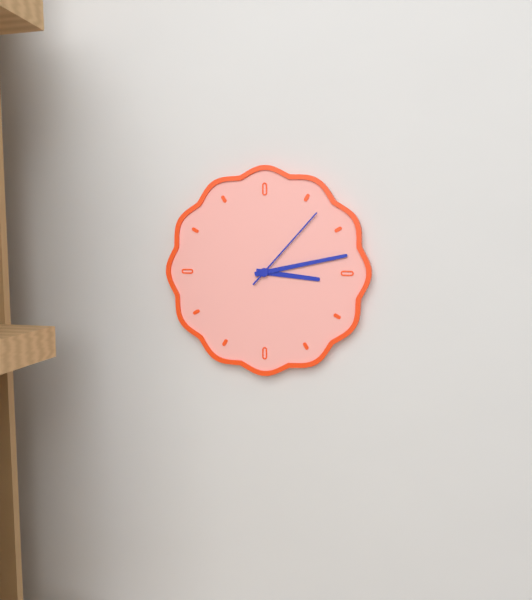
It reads 3:13:07
